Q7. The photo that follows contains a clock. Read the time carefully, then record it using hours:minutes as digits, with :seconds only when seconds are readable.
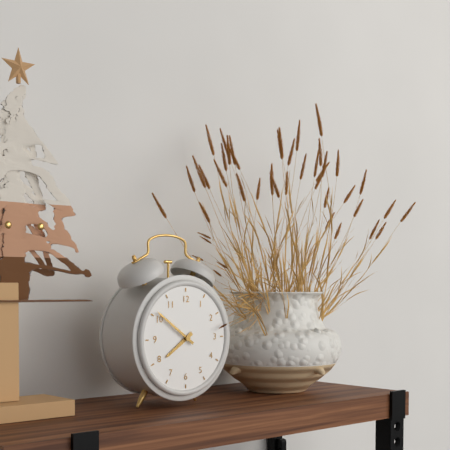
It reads 7:51
